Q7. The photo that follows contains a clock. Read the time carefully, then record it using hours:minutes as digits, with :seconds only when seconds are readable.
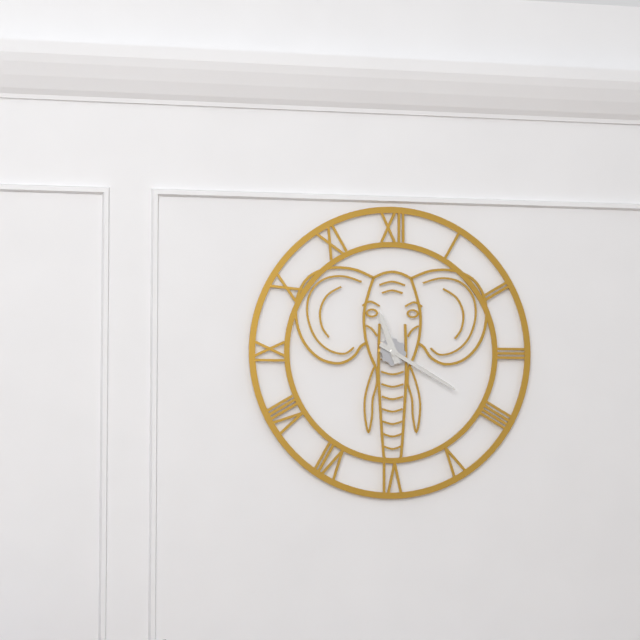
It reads 11:20
